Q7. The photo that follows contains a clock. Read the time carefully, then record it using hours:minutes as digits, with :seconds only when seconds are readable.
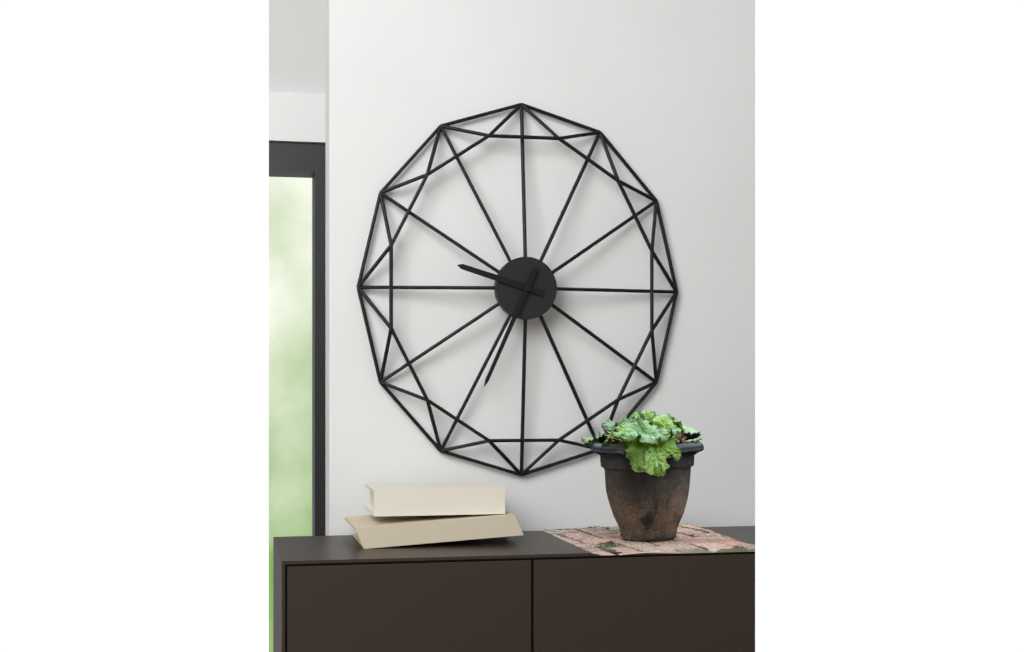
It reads 9:34
